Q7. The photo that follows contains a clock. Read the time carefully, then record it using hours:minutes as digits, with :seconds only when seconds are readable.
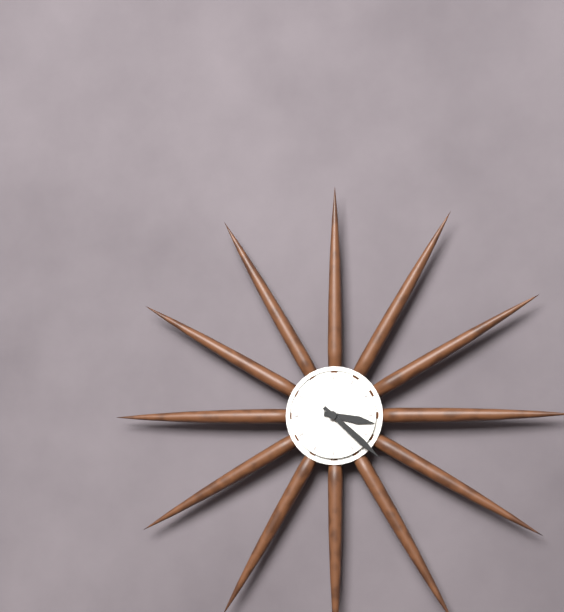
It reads 3:22
